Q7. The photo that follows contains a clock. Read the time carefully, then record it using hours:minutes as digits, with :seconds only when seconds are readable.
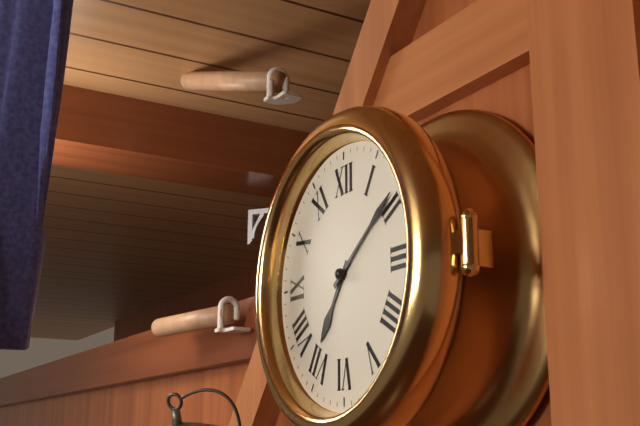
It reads 7:09
